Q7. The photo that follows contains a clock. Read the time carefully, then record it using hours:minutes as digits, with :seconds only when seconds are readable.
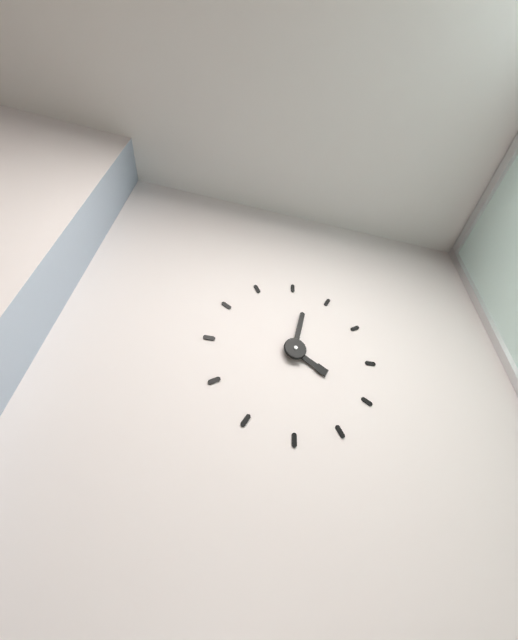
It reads 4:02
